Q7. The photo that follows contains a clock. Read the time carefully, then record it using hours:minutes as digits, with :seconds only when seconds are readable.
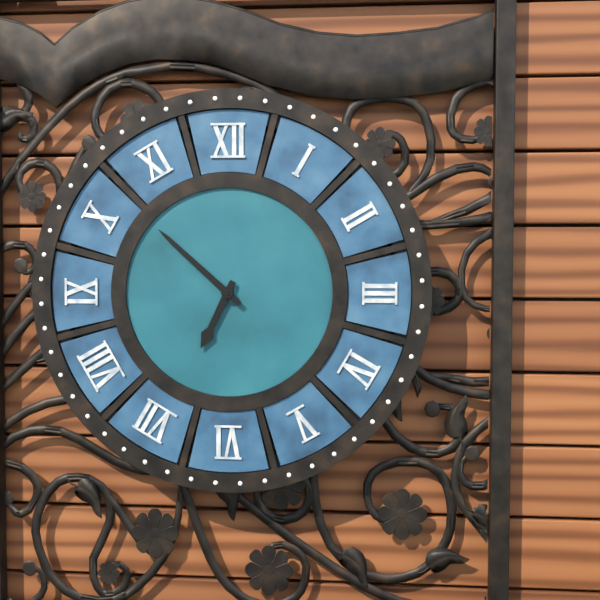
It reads 6:52
